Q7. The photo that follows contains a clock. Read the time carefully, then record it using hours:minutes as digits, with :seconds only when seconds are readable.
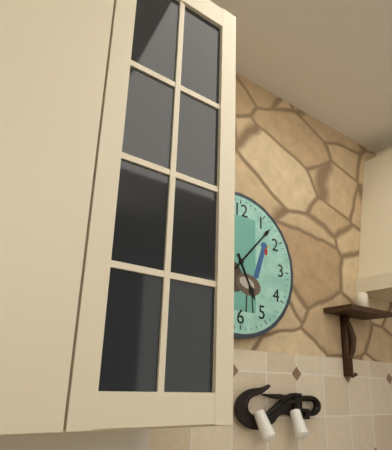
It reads 5:07
